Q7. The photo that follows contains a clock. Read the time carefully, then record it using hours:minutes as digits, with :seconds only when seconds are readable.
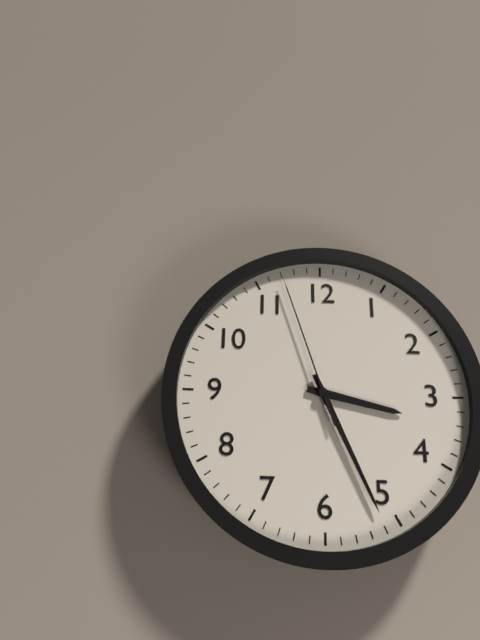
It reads 3:26:57
